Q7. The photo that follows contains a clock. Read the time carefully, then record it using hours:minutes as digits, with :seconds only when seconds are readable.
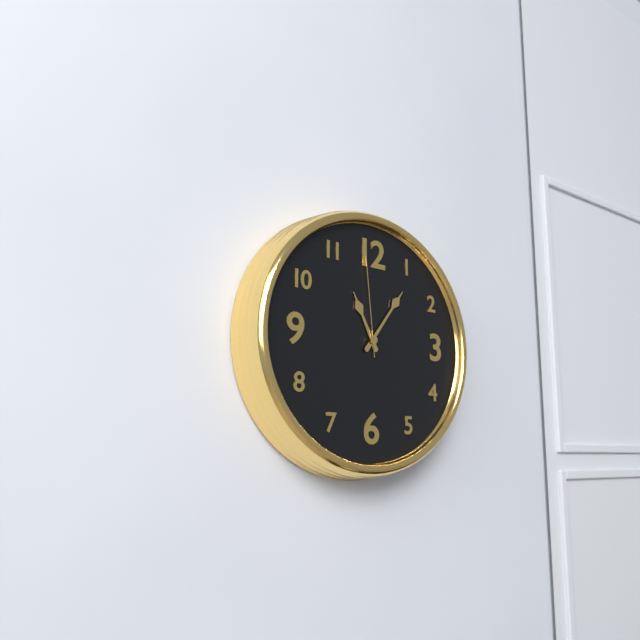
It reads 11:06:59
